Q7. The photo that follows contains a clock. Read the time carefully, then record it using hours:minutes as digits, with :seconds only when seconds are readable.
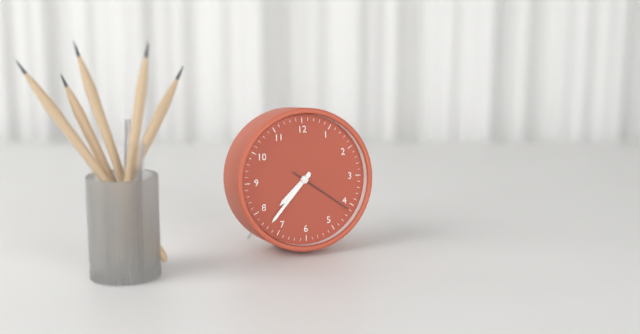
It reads 7:37:21
